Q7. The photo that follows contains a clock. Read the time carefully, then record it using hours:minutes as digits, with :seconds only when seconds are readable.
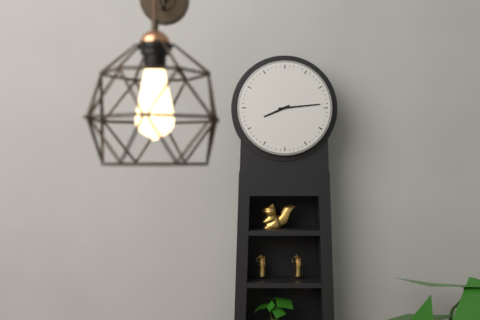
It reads 8:14
